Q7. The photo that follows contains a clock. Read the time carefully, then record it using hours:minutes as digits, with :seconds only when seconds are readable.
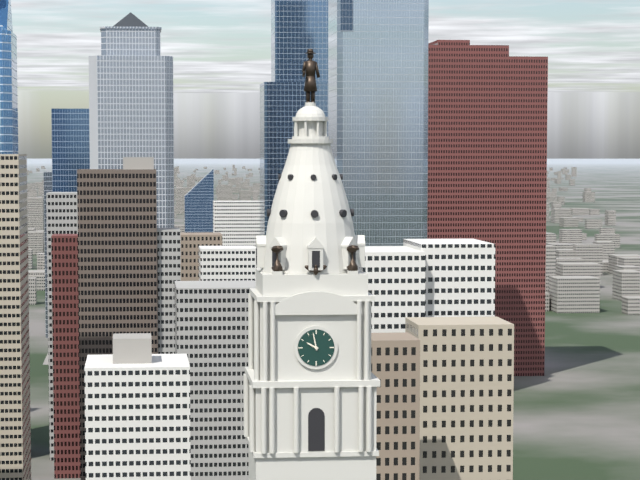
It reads 9:58
